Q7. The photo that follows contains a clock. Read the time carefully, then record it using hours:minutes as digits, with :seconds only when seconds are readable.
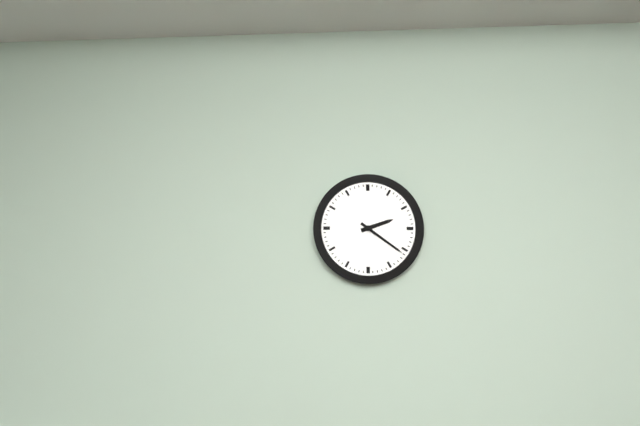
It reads 2:21
